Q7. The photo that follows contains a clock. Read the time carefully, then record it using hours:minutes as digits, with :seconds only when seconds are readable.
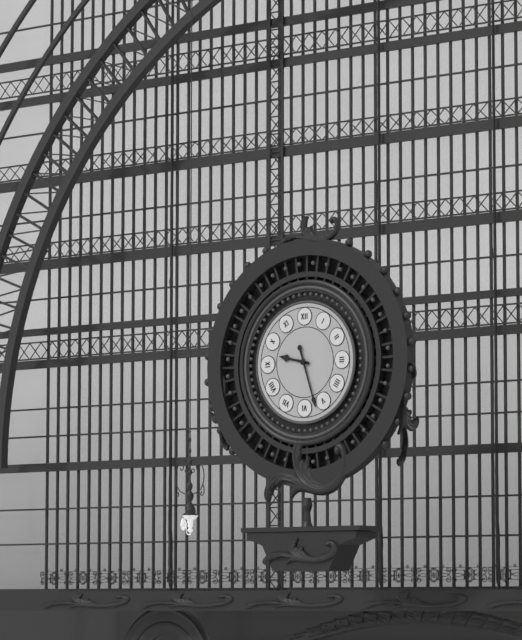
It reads 9:27
